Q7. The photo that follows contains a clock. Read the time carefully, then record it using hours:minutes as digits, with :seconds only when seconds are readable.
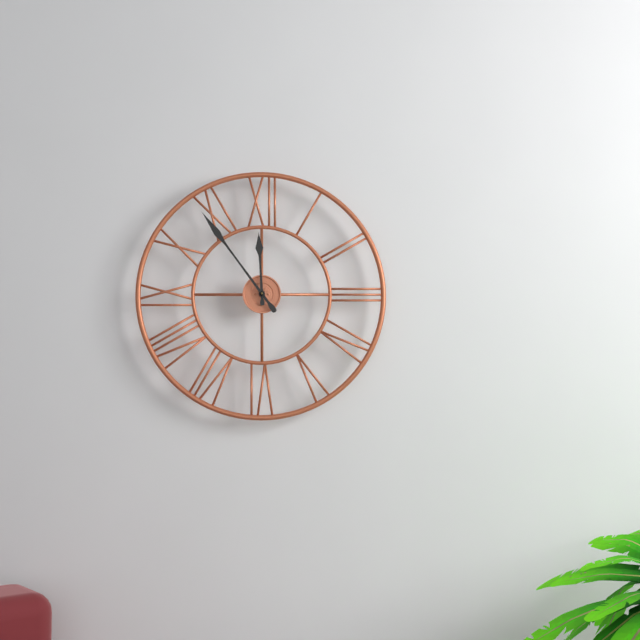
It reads 11:54
